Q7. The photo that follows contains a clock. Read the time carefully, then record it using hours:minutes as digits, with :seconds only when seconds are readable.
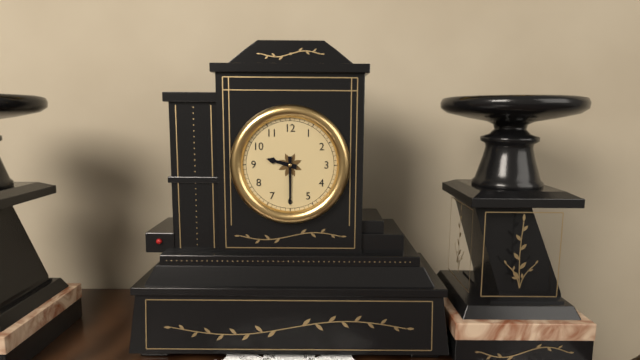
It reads 9:30
